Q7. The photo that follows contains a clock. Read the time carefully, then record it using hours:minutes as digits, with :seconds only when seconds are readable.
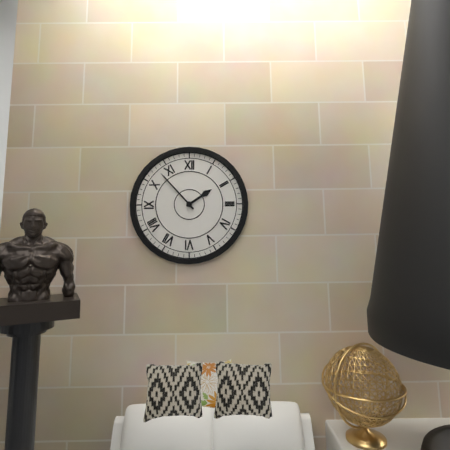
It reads 1:53
